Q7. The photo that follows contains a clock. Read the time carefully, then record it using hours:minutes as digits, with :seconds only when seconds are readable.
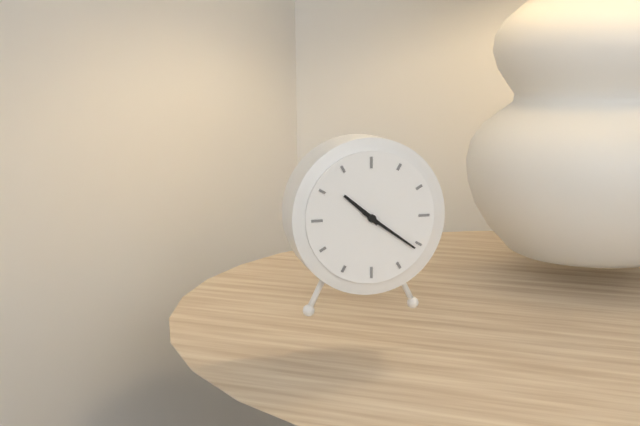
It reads 10:21
